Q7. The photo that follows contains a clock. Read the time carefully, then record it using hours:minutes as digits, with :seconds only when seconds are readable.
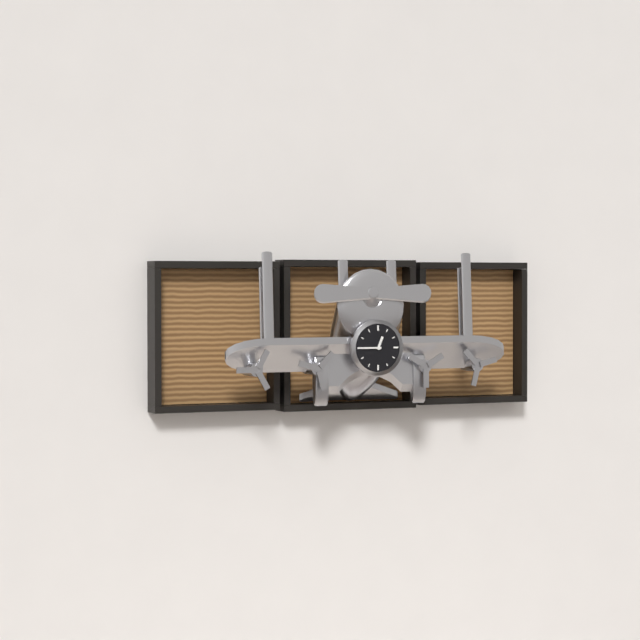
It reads 12:45
